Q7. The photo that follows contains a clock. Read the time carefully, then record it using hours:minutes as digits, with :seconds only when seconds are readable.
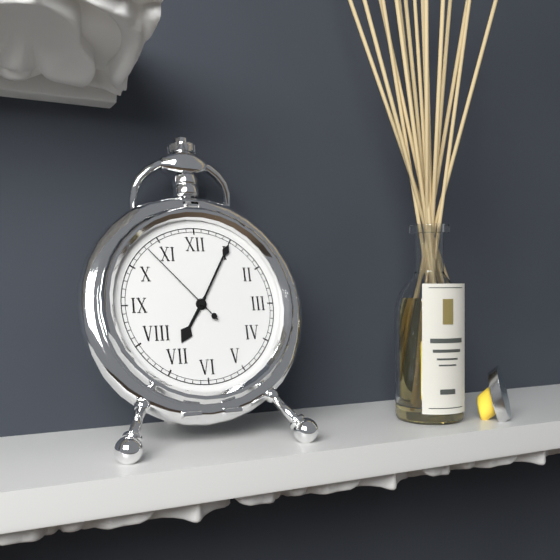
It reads 7:05:53
